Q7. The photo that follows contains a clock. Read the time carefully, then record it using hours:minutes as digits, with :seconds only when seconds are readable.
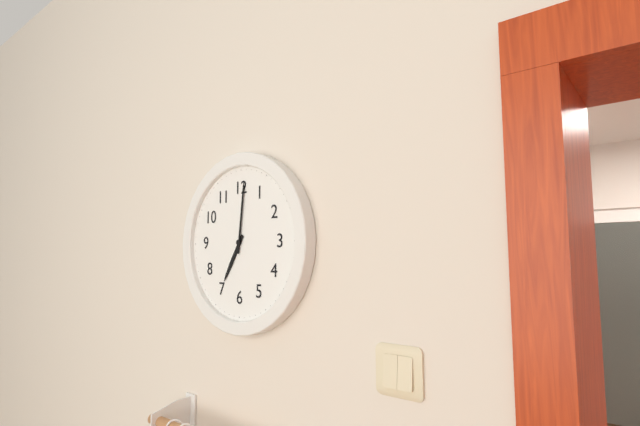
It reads 7:01
